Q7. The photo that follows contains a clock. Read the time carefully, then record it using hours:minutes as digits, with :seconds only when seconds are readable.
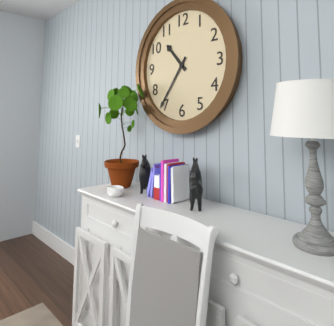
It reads 10:36
